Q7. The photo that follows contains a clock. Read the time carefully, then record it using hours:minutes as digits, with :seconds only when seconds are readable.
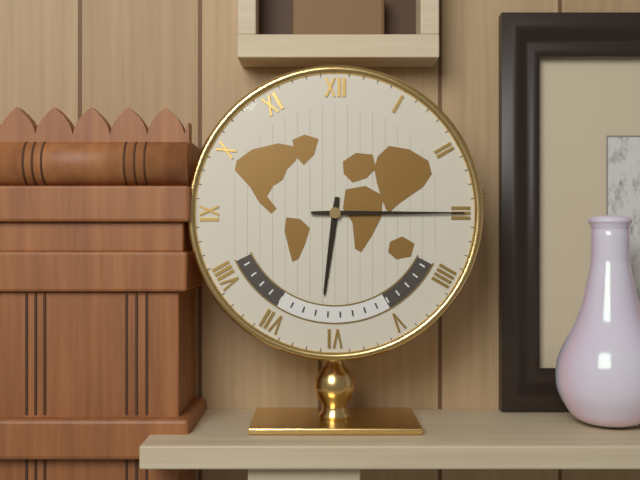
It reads 6:15
